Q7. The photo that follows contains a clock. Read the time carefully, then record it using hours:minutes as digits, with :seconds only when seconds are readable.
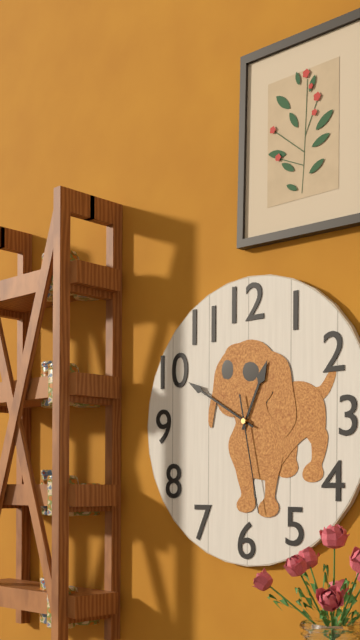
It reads 12:50:28
